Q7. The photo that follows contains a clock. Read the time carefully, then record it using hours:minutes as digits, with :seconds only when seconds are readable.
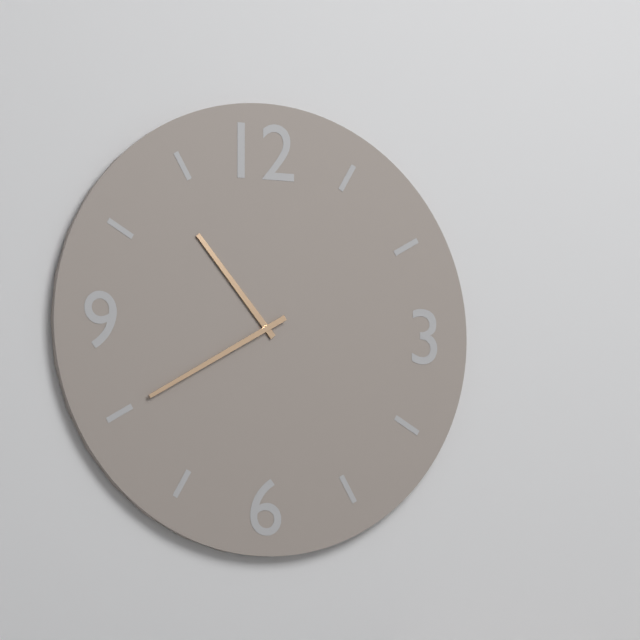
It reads 10:40
